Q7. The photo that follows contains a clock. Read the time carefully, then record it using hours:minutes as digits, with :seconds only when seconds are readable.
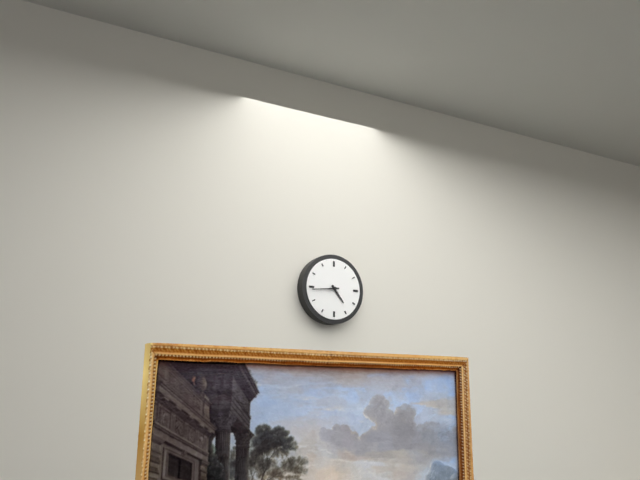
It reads 4:44
